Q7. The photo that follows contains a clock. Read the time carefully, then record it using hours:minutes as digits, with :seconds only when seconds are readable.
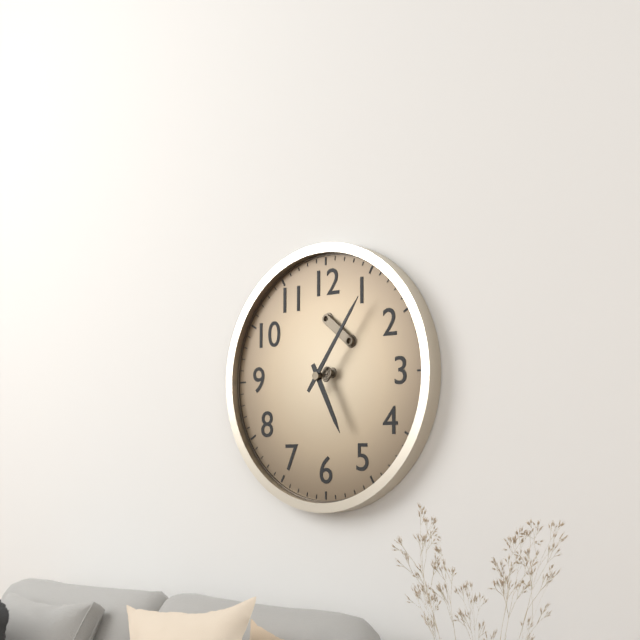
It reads 5:06
